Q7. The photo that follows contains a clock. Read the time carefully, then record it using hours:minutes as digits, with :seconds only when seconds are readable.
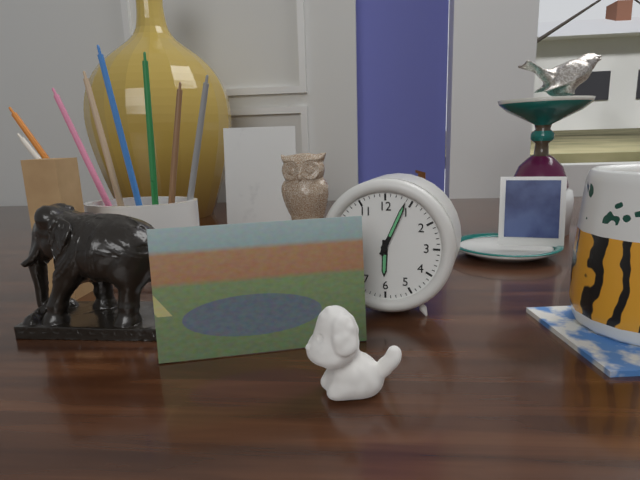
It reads 6:04
